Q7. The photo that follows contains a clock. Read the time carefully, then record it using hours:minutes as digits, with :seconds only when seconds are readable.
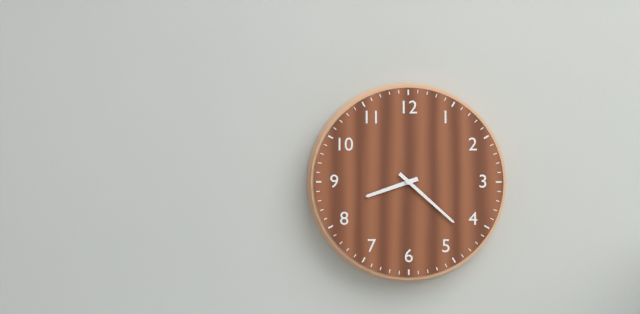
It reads 8:22
